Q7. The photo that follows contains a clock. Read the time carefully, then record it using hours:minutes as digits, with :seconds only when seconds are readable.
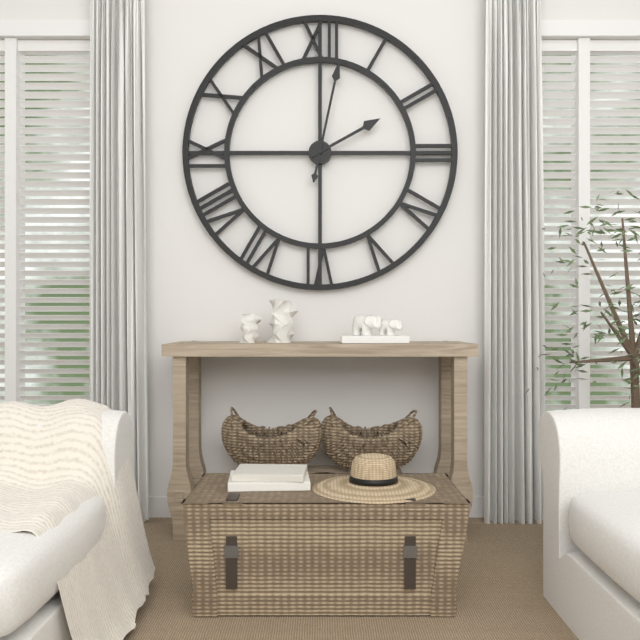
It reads 2:02
